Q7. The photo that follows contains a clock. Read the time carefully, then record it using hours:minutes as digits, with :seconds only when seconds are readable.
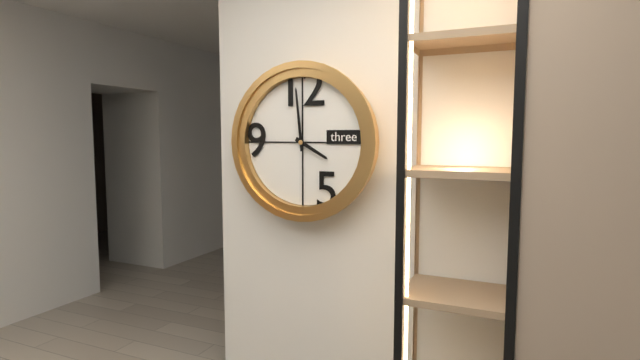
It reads 3:59
